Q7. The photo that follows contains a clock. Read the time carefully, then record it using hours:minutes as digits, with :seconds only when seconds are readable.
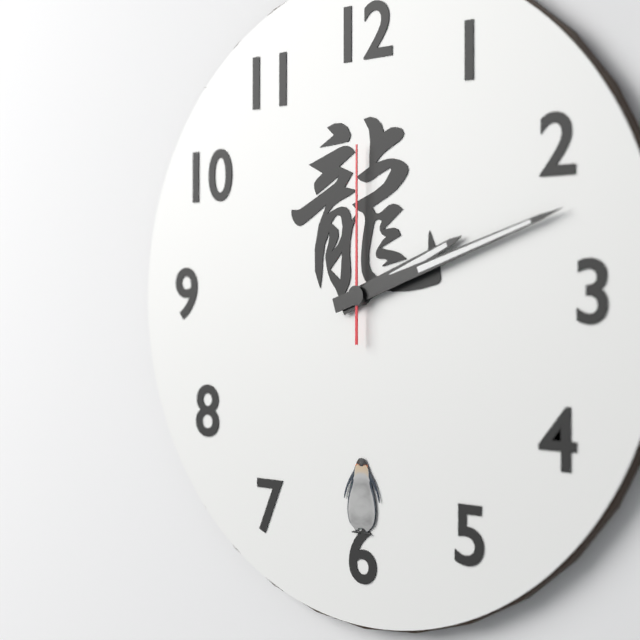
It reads 2:12:00
